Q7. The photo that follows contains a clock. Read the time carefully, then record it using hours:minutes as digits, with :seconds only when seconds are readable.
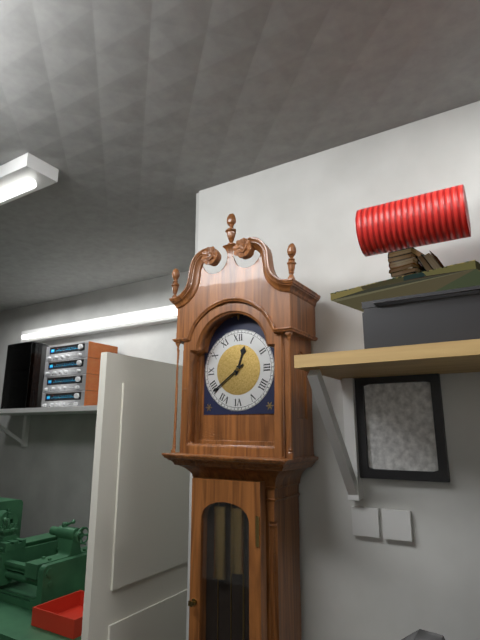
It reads 12:39
